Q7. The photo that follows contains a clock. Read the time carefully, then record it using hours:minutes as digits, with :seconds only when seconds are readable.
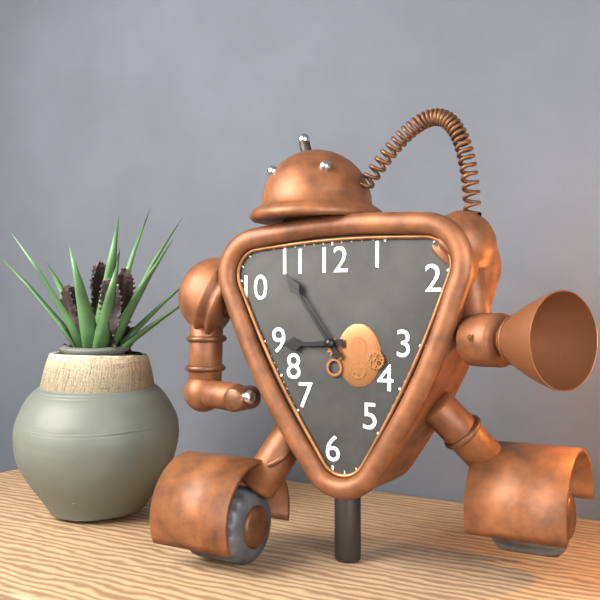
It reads 8:54
